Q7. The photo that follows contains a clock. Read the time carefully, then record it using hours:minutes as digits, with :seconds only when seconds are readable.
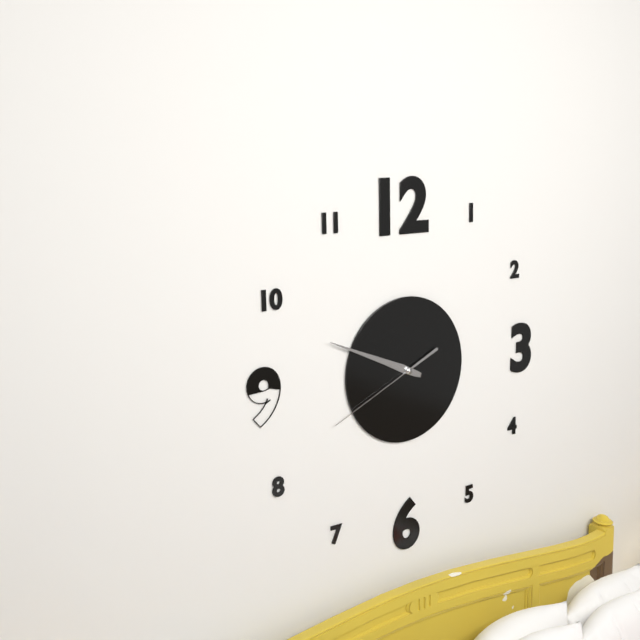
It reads 9:49:41
